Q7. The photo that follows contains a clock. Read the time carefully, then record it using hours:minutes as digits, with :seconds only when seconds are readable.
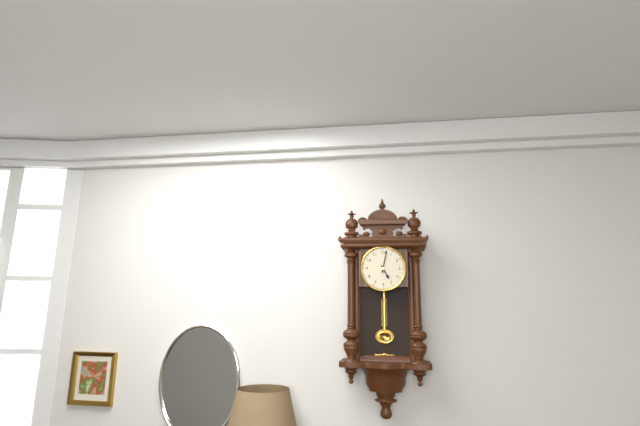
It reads 5:02
